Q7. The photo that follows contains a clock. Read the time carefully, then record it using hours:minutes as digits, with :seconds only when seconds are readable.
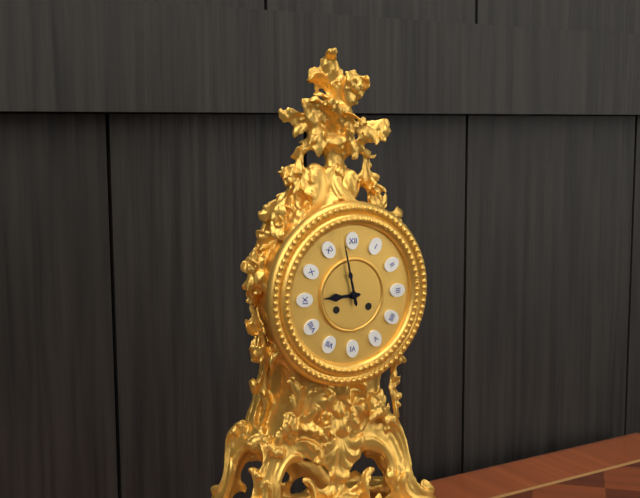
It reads 8:58
